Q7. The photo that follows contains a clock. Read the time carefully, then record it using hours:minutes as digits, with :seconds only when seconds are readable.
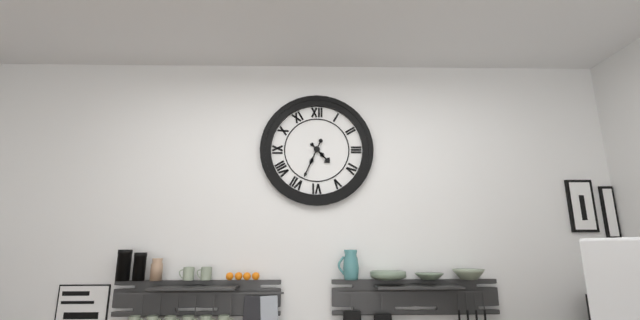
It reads 4:34
